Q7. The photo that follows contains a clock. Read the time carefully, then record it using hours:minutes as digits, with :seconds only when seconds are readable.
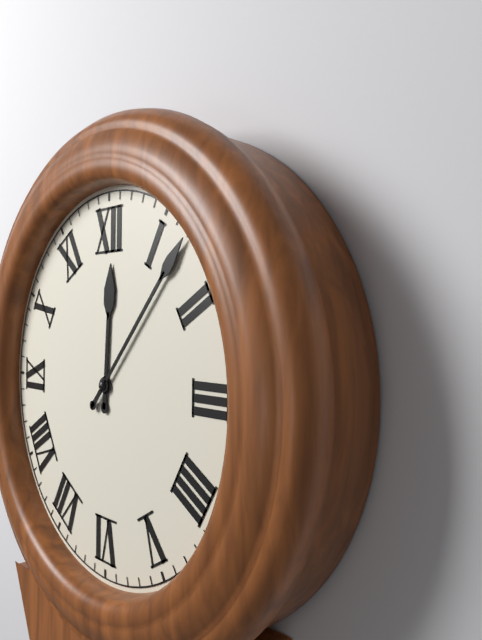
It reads 12:07
